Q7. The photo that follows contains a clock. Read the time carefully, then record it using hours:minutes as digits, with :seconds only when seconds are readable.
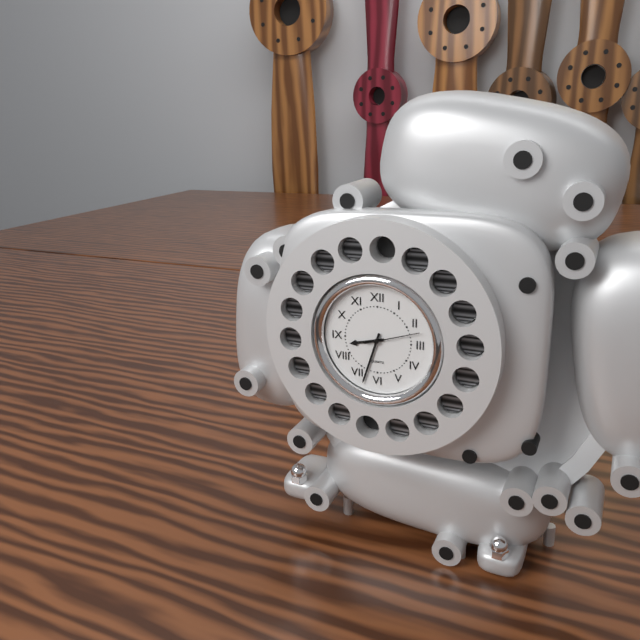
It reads 8:33:12
